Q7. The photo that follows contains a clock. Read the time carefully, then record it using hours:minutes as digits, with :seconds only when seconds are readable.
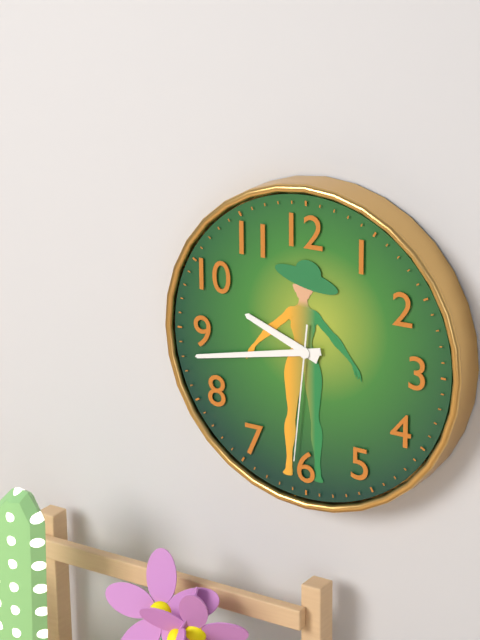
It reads 9:43:31
